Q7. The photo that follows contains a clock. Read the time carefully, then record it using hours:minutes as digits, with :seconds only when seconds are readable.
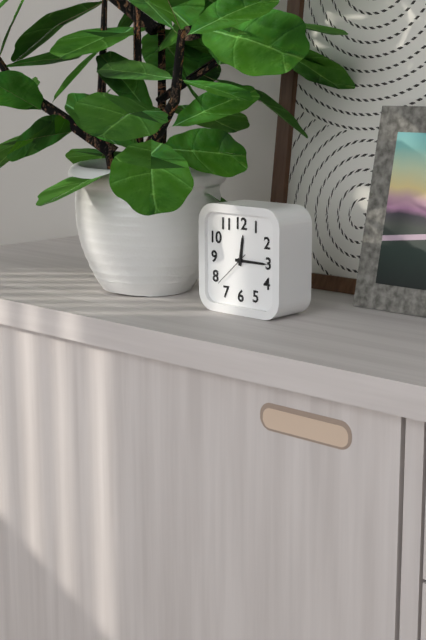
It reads 12:15
